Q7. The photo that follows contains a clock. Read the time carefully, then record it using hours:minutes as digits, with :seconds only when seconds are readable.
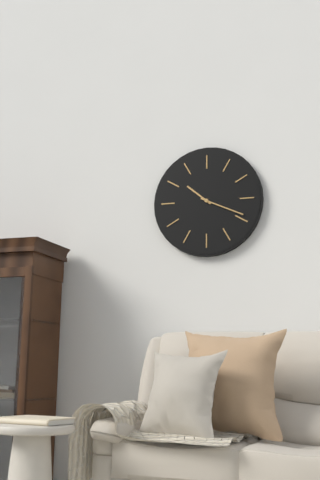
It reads 10:19
